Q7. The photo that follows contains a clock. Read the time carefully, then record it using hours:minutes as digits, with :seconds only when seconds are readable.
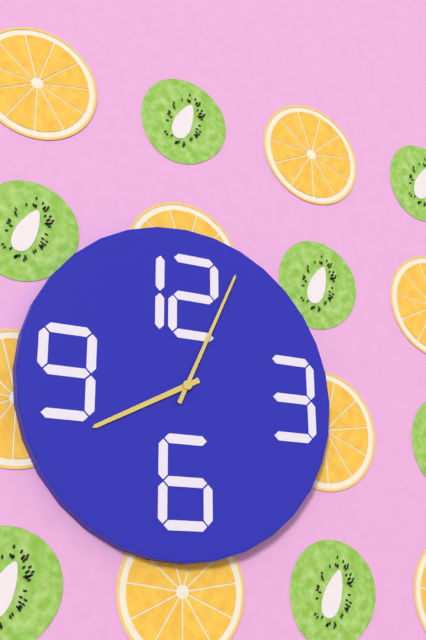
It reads 8:04
